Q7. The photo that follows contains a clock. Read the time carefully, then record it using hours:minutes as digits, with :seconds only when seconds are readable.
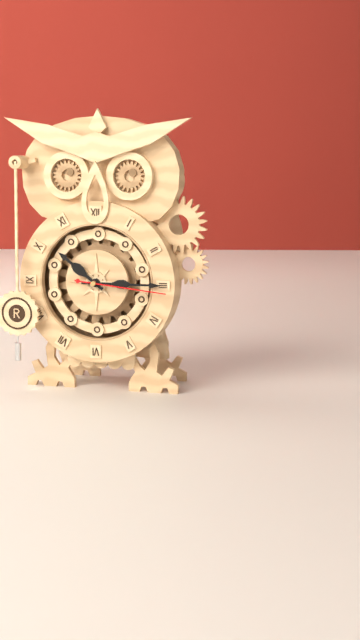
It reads 10:15:16
